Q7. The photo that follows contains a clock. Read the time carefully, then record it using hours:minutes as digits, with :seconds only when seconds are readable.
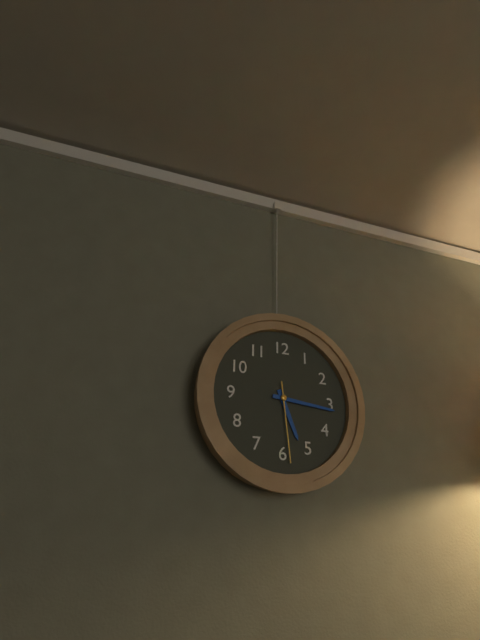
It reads 5:16:29
